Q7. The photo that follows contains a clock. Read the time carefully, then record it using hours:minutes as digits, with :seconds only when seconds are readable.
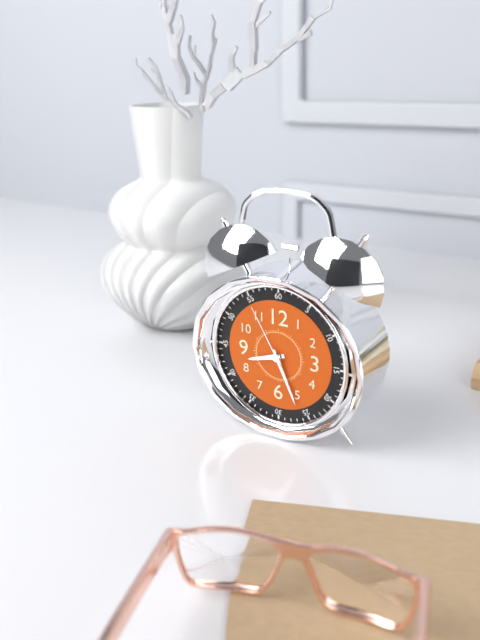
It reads 8:26:55
